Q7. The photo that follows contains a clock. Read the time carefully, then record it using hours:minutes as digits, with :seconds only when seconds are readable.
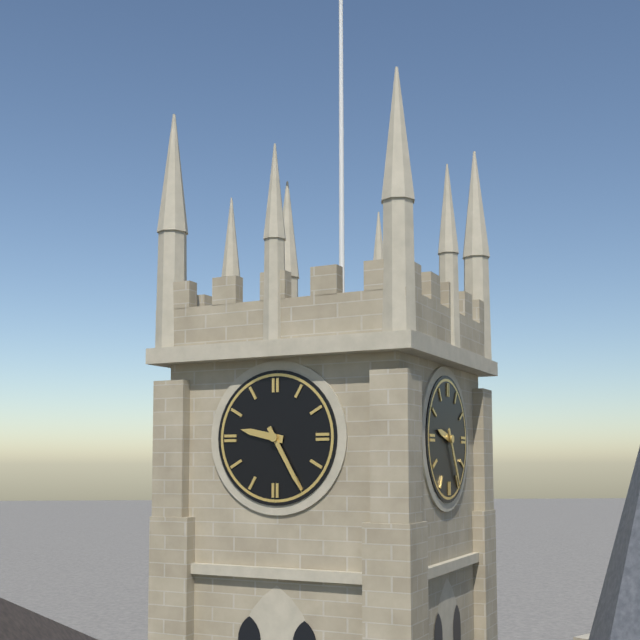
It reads 9:25
